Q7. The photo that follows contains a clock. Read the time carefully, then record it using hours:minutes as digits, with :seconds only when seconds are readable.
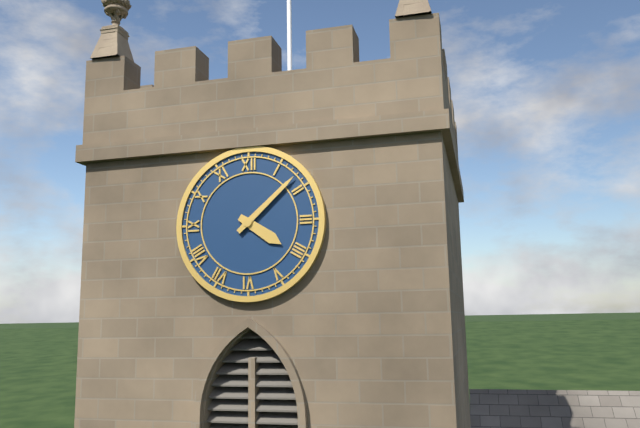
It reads 4:08
